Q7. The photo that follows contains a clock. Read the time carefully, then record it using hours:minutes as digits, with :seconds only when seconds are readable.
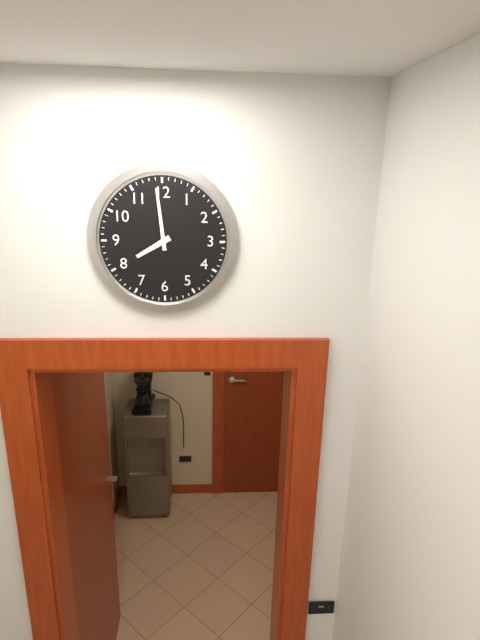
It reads 7:59
